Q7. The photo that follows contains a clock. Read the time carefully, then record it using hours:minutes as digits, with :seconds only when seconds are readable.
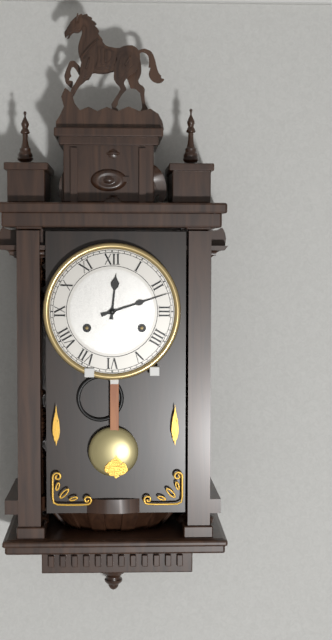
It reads 12:12
